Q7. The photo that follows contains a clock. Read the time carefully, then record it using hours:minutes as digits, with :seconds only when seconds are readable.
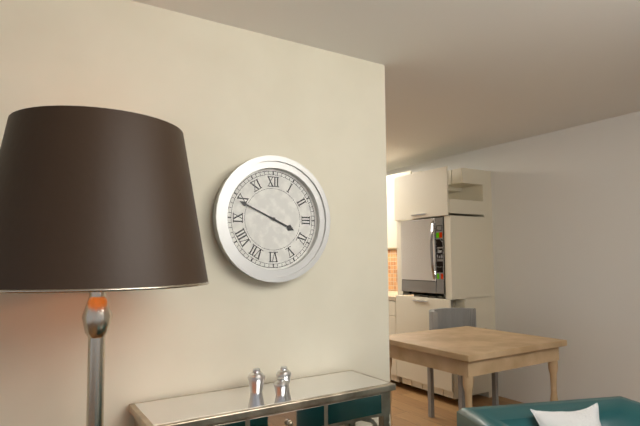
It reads 3:49
